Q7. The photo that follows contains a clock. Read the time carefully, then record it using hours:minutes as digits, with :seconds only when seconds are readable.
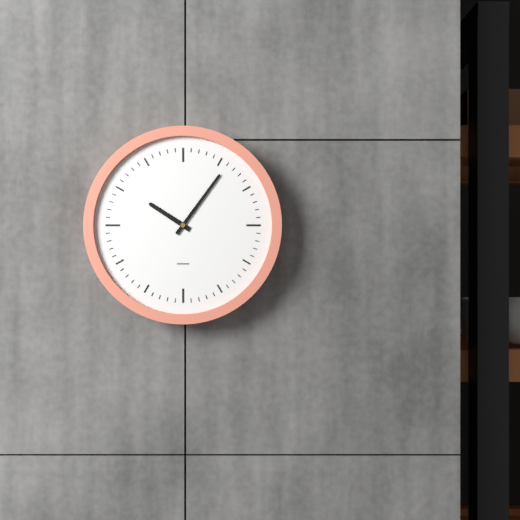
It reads 10:06
